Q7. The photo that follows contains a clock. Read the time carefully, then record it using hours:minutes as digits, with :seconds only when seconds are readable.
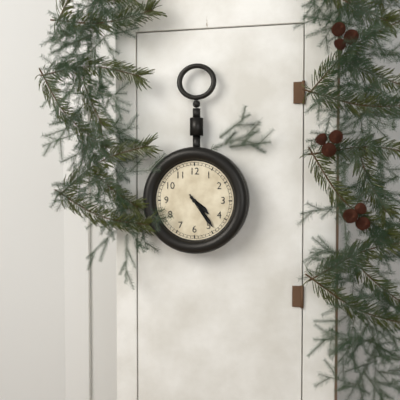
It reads 4:24
